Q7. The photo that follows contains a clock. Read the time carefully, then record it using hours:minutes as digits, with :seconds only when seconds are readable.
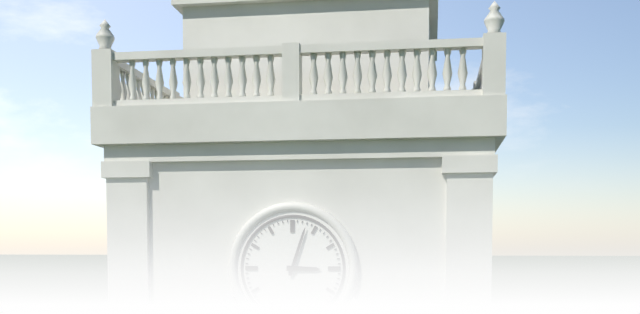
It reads 3:03
